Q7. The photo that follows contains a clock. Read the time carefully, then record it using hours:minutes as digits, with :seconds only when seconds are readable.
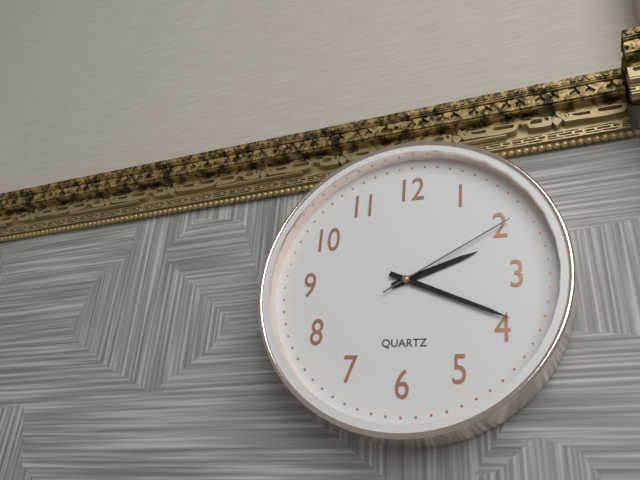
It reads 2:19:10
